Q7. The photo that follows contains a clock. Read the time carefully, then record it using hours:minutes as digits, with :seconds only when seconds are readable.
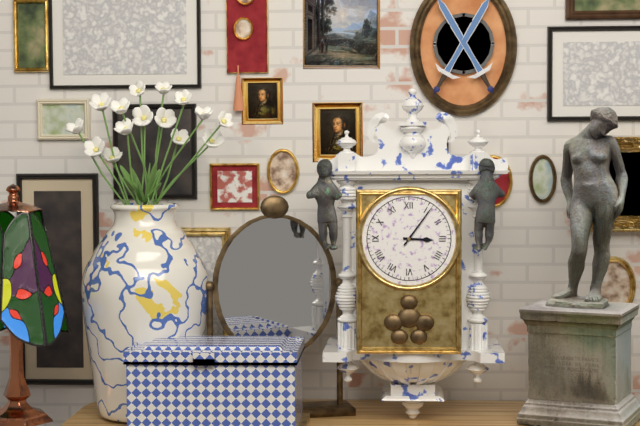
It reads 3:06
